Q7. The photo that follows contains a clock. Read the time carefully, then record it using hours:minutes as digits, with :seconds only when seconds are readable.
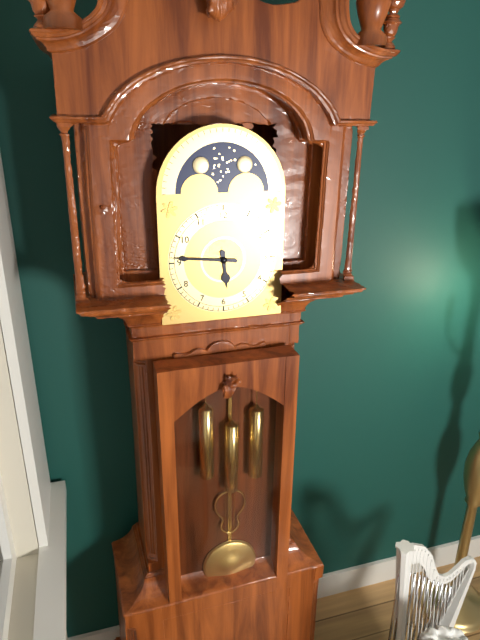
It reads 5:46
